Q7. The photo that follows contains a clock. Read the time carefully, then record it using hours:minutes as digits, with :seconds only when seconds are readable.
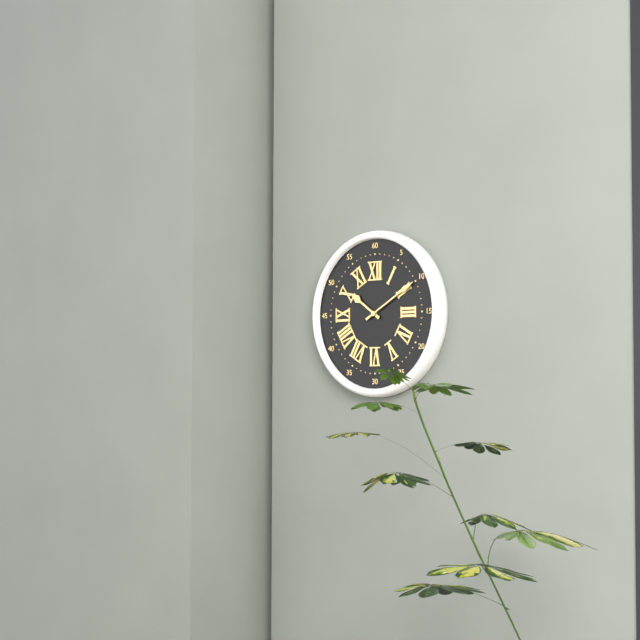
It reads 10:10
